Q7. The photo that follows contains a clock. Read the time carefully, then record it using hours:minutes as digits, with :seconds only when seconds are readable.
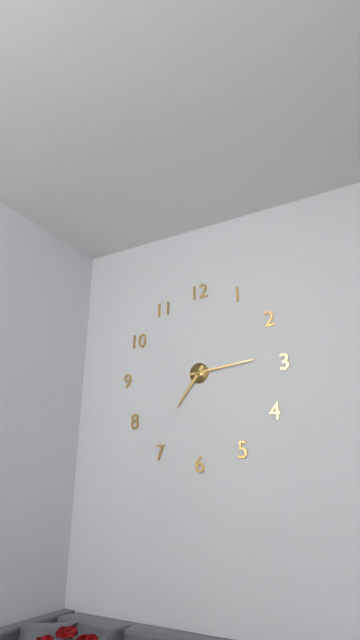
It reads 7:14
